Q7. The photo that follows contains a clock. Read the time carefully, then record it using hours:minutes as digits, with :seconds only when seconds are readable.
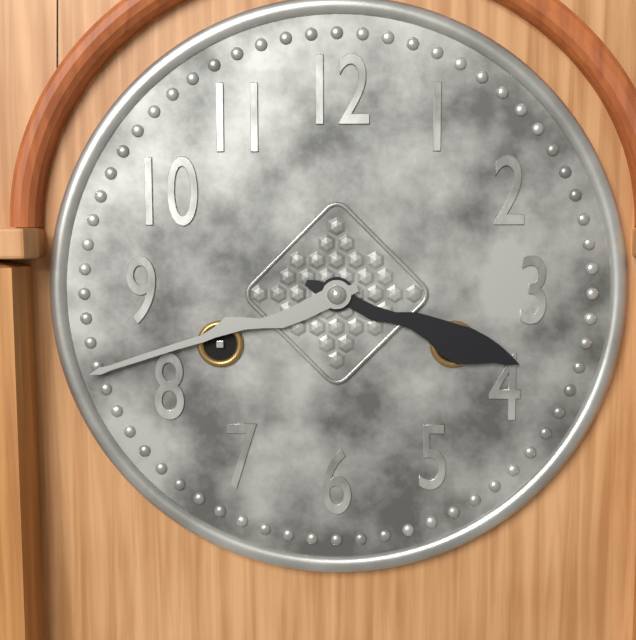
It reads 3:42
